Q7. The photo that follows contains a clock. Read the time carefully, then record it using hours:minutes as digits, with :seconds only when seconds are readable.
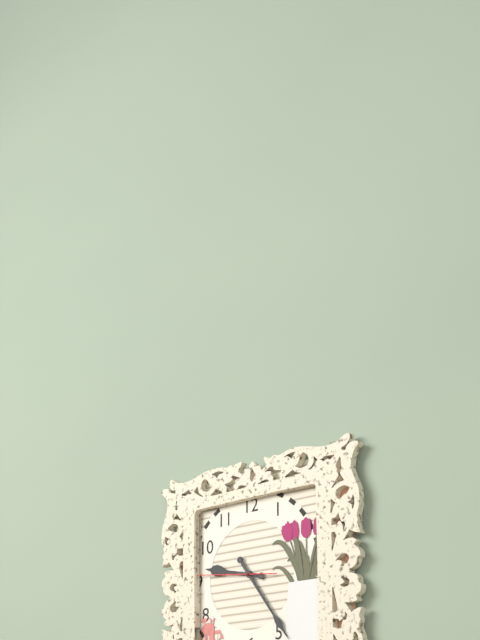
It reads 9:24:46
